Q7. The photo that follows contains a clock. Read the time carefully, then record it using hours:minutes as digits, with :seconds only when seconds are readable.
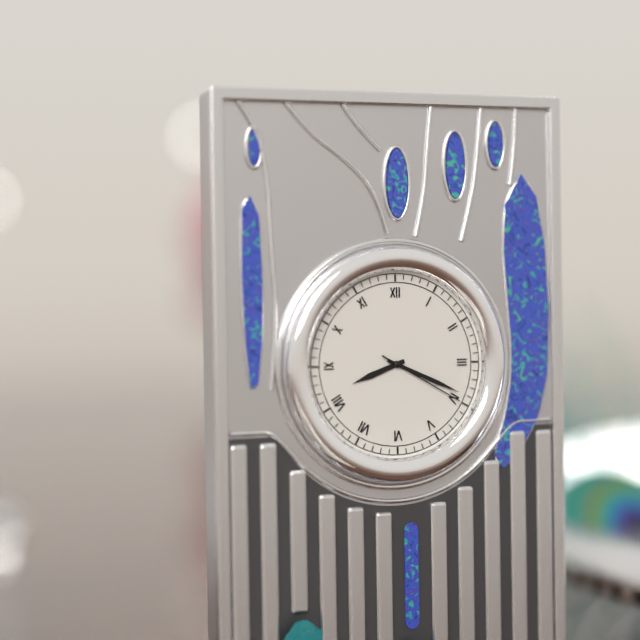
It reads 8:19:20
